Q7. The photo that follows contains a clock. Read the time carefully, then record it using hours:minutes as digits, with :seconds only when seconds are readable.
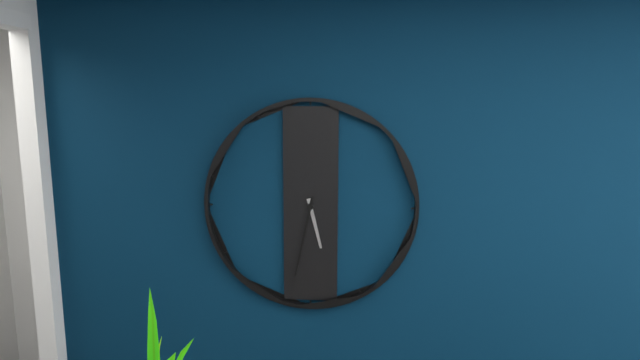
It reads 5:32
